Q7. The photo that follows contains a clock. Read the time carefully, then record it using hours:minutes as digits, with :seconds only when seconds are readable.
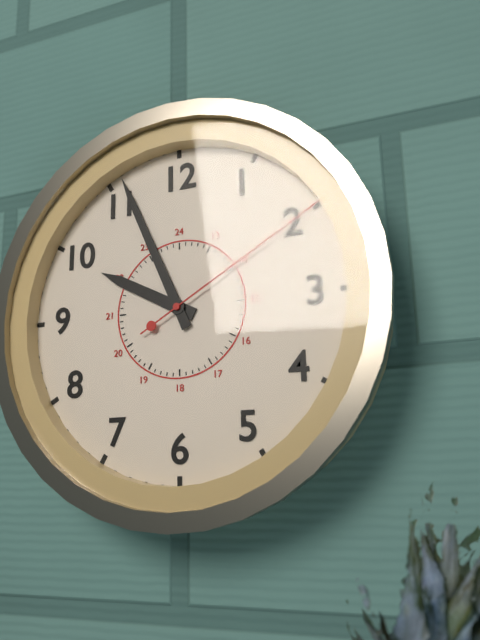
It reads 9:56:10
